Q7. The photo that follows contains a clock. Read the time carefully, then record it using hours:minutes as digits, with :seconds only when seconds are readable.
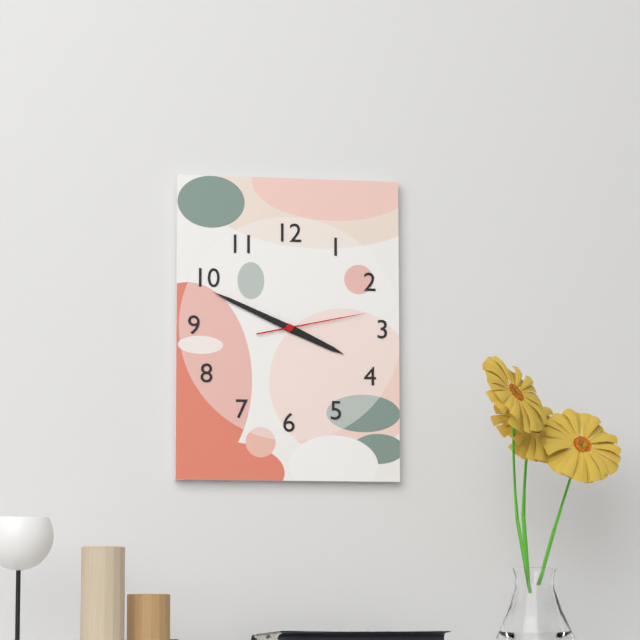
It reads 3:49:13
